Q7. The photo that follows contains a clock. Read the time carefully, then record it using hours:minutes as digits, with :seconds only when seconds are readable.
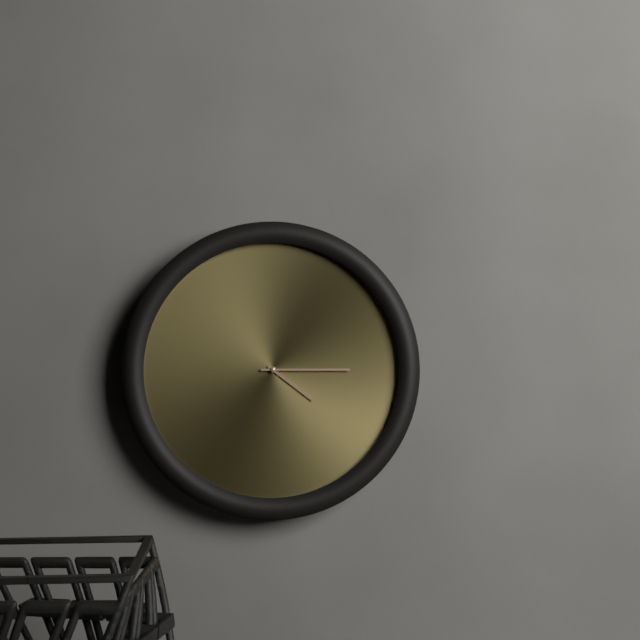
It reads 4:15
